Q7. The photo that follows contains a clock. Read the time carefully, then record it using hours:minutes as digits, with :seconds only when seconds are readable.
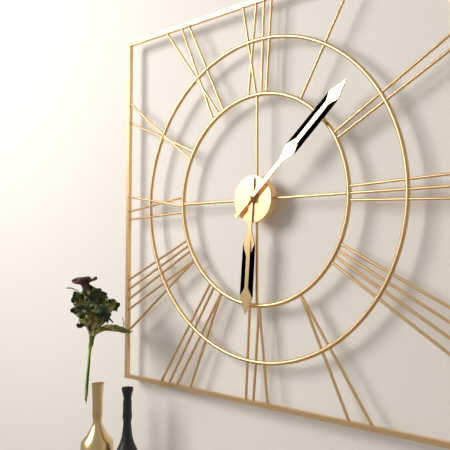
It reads 6:08
